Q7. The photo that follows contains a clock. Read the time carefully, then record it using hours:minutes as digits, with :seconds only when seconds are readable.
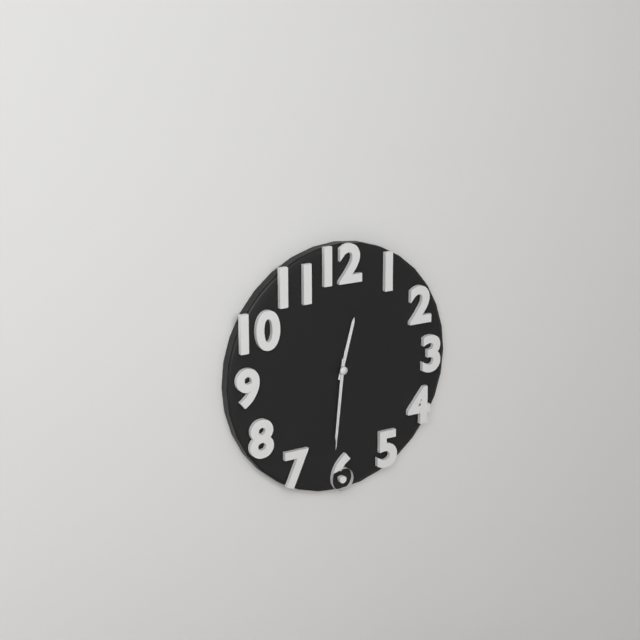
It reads 12:31:31
